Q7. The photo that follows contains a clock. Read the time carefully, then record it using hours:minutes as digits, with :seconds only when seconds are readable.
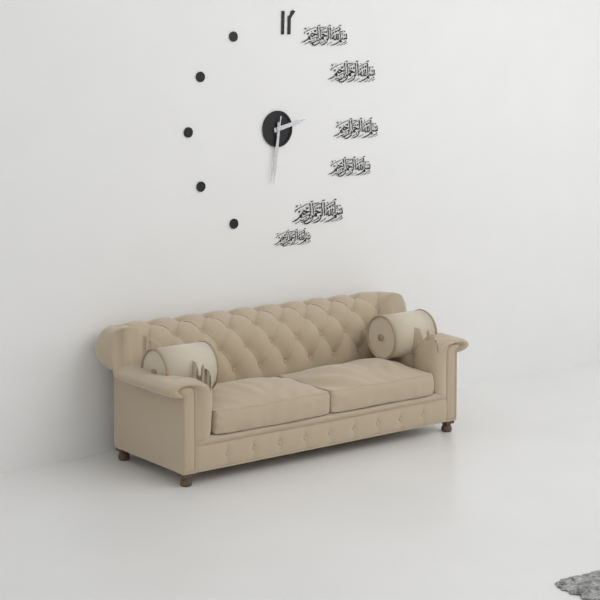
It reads 2:31:32
